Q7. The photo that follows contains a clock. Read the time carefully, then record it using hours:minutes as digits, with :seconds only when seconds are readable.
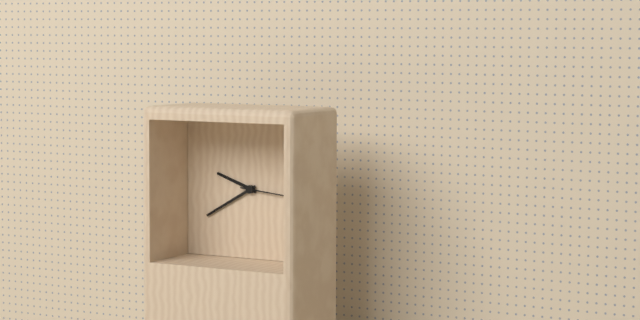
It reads 9:40:16
